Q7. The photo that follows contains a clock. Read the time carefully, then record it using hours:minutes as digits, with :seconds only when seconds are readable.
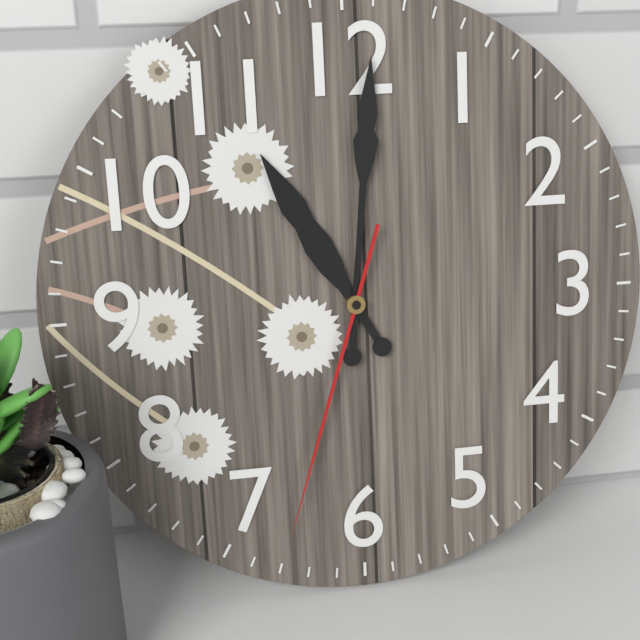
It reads 11:01:33
